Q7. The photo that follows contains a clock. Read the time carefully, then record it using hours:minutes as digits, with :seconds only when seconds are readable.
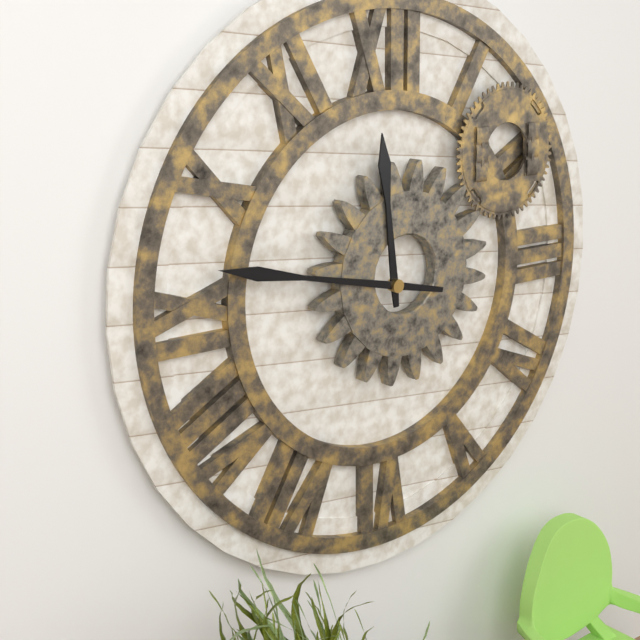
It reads 11:47
